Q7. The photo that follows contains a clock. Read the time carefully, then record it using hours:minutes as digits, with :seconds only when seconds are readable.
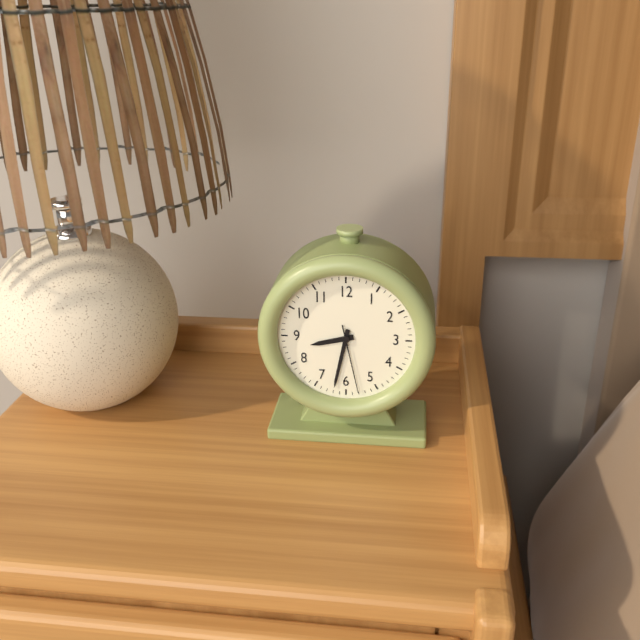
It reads 8:32:28
